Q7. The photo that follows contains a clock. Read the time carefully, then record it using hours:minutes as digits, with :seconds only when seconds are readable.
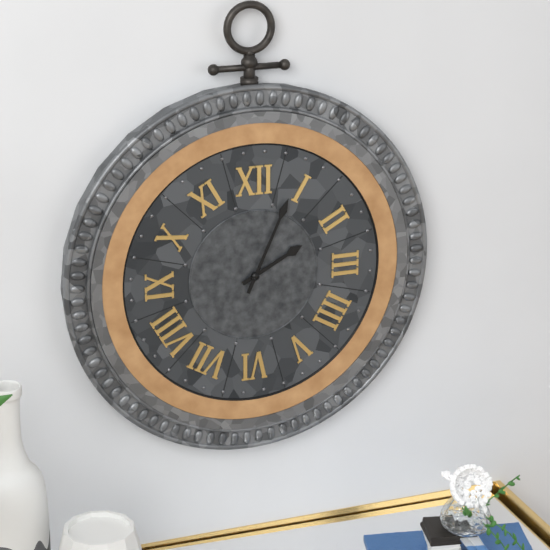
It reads 2:04
